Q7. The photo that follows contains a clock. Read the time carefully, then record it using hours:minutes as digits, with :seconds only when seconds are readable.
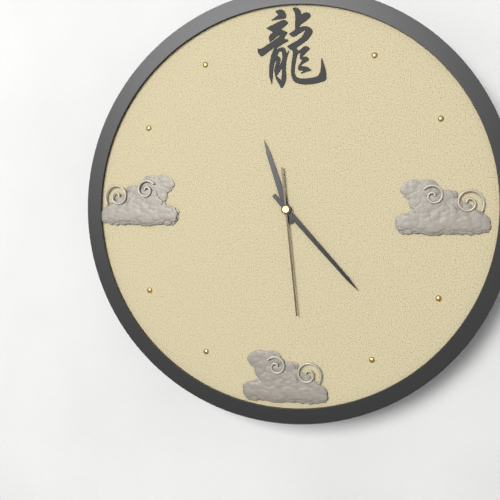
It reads 11:23:29
